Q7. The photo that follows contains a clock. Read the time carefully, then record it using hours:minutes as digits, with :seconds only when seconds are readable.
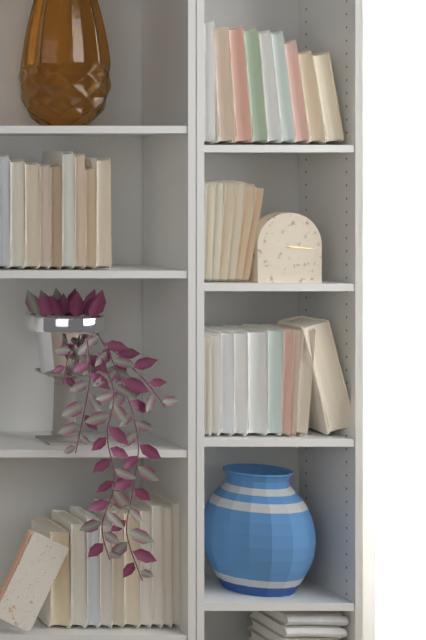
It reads 3:16
